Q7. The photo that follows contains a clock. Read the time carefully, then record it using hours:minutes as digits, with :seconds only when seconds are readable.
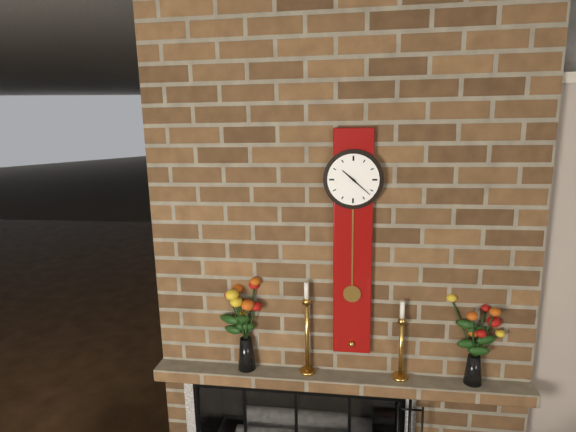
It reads 10:22
